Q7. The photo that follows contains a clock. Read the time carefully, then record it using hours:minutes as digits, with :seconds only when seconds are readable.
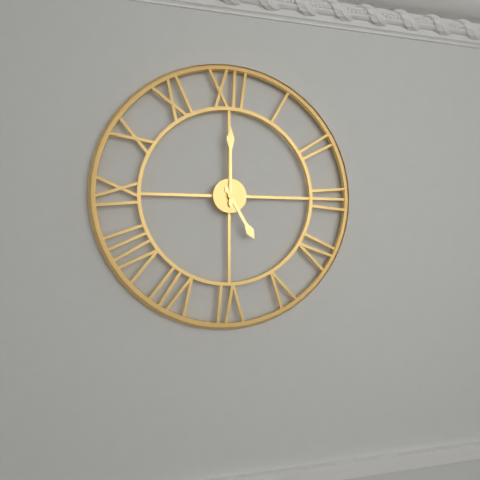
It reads 5:00
